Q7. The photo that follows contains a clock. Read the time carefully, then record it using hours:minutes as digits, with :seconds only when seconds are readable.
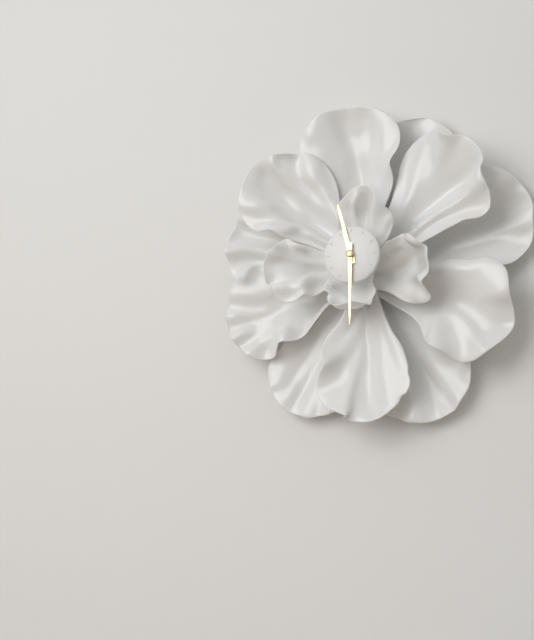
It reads 11:30
